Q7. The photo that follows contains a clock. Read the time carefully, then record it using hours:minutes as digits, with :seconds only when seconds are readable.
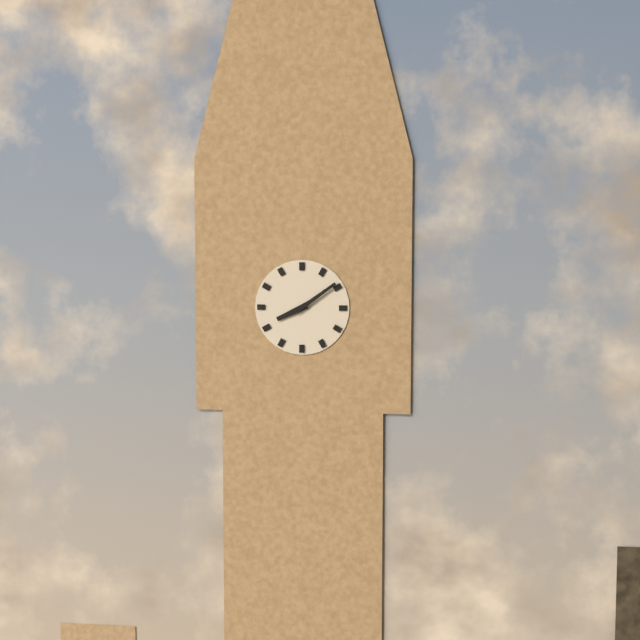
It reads 8:09
